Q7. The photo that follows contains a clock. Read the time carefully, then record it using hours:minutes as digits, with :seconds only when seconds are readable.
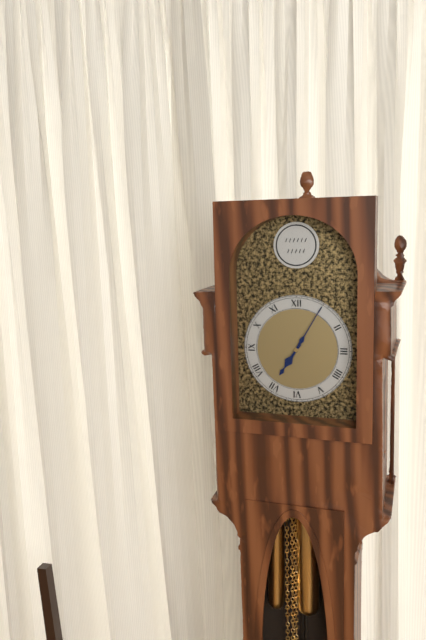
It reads 7:05
